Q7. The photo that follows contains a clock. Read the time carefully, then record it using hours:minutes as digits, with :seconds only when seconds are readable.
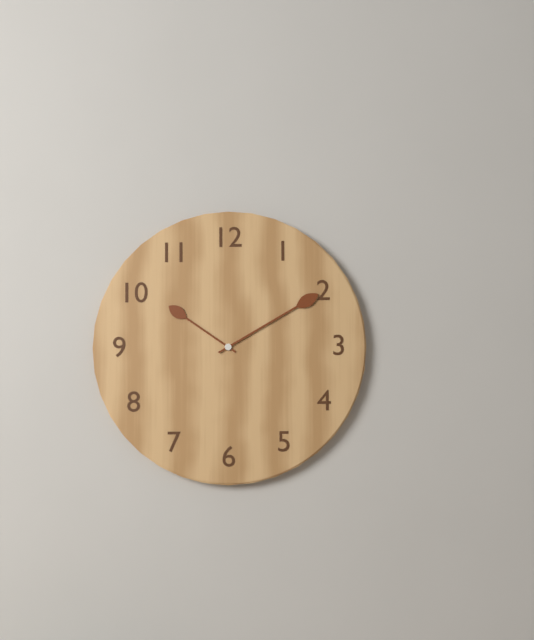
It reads 10:10
